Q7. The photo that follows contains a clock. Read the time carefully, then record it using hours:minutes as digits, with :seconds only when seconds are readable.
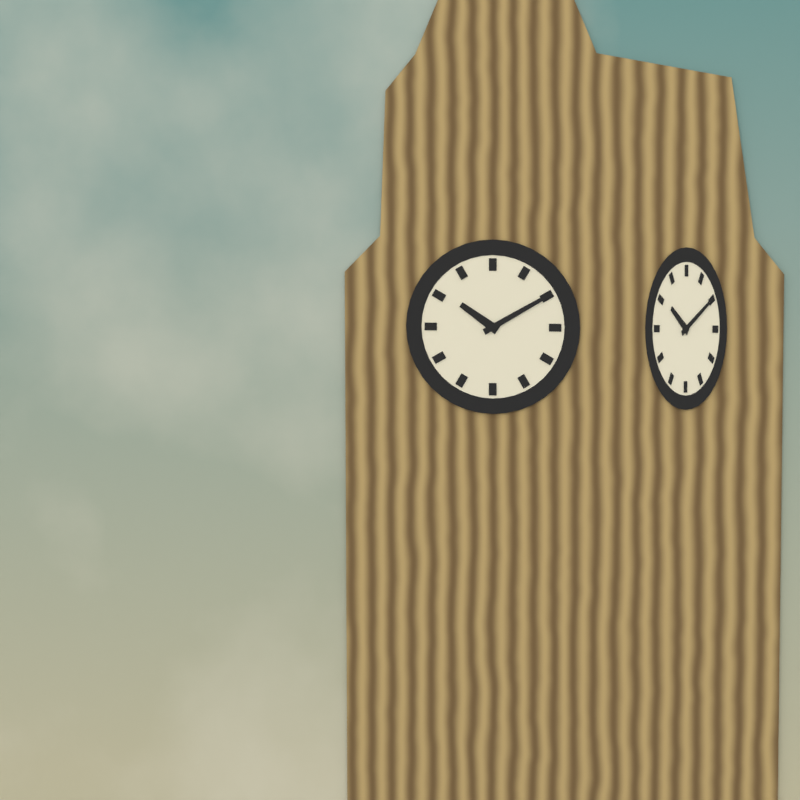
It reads 10:10
